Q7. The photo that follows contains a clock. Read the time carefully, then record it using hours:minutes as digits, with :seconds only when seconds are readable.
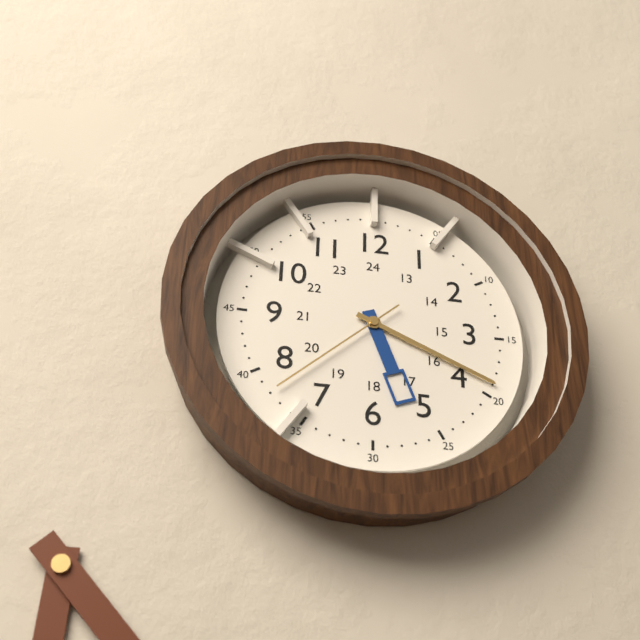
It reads 5:19:38
